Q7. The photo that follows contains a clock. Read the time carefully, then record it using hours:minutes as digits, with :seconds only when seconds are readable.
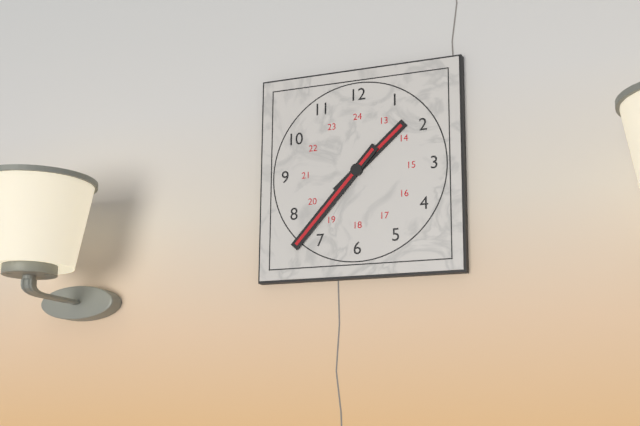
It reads 1:37
